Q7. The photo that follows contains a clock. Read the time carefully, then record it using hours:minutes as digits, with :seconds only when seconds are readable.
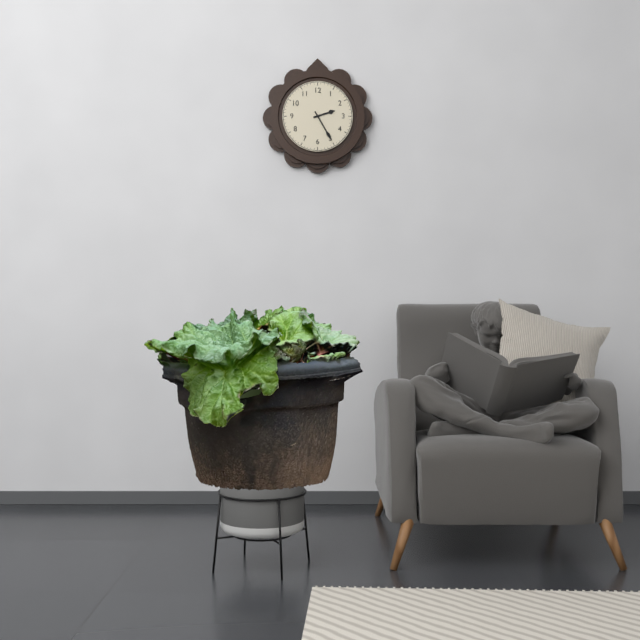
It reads 2:25
